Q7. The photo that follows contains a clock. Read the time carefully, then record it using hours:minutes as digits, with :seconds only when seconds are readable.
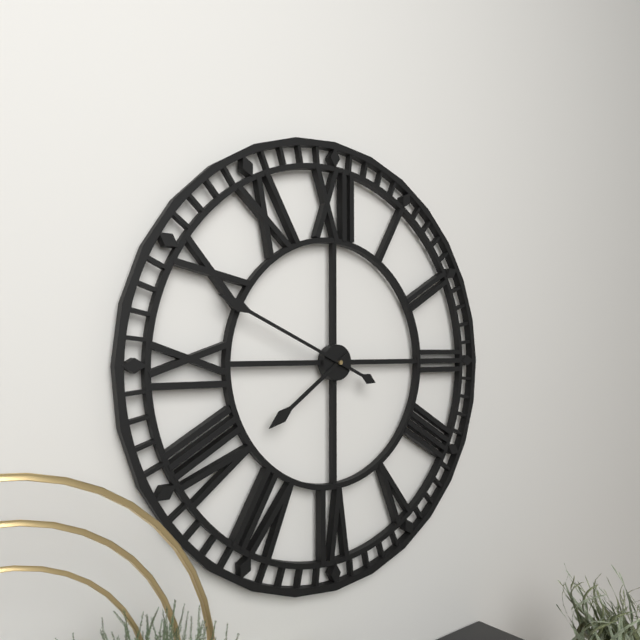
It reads 7:49
